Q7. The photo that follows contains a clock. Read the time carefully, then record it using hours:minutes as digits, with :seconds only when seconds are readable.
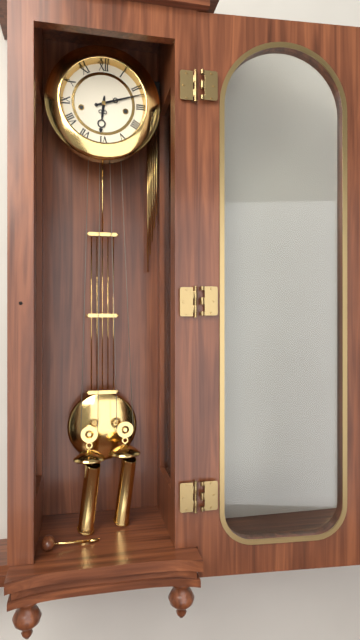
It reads 6:12
